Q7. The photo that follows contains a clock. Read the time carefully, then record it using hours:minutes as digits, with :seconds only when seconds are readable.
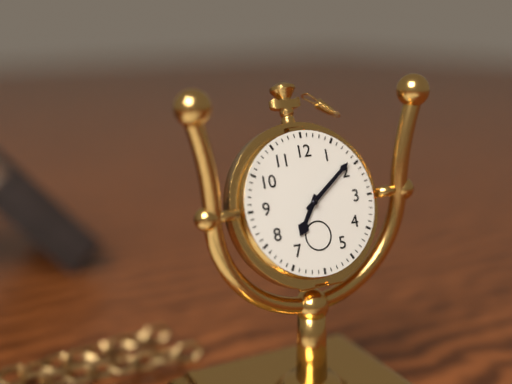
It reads 7:09
